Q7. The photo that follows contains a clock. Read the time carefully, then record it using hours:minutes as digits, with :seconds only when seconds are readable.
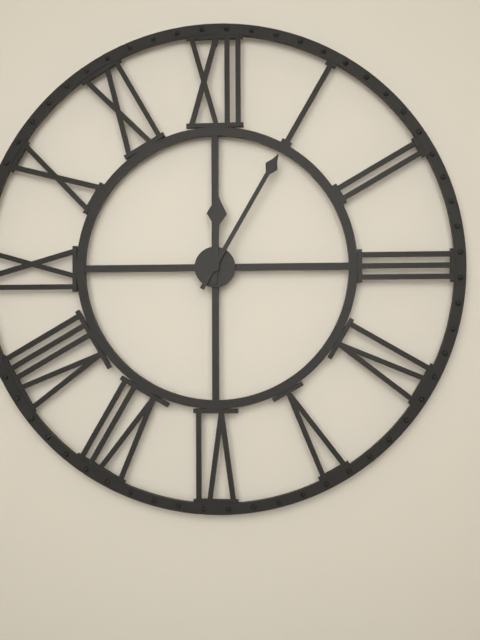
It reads 12:05
